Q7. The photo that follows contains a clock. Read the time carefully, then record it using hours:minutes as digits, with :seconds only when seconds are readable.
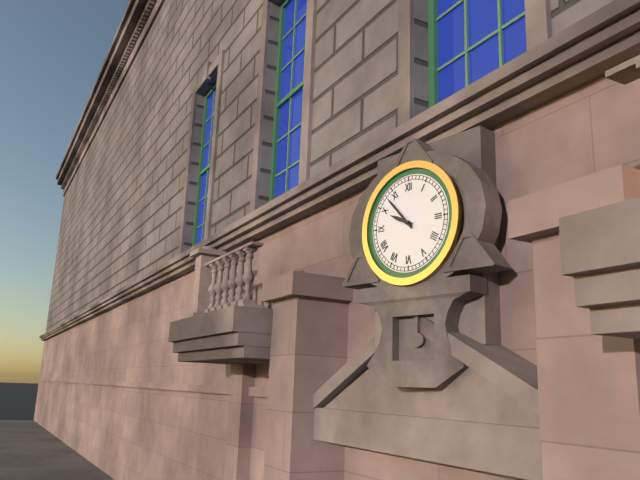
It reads 9:53
